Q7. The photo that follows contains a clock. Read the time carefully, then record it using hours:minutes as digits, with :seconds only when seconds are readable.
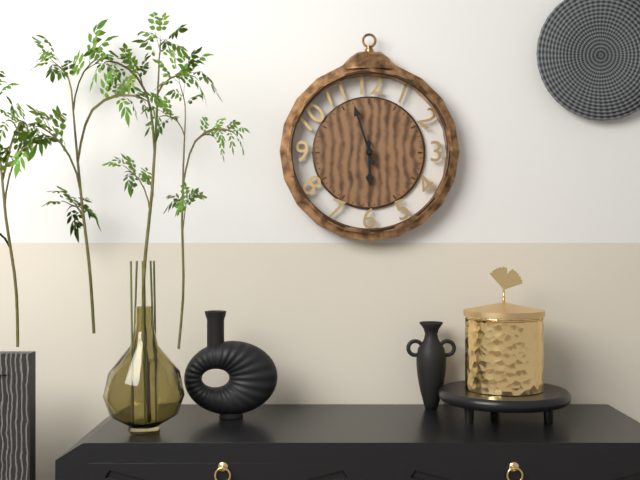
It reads 5:57
